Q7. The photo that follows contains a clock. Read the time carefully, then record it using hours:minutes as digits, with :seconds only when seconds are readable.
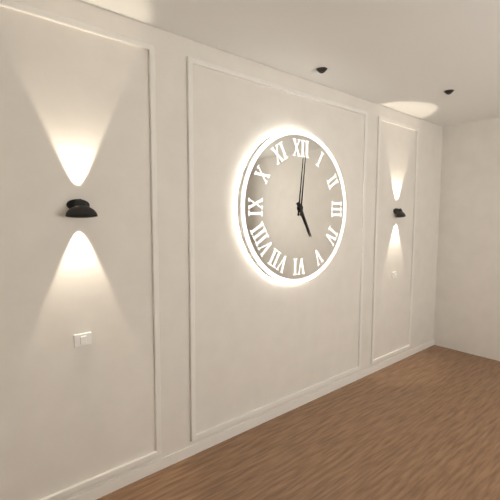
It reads 5:01
